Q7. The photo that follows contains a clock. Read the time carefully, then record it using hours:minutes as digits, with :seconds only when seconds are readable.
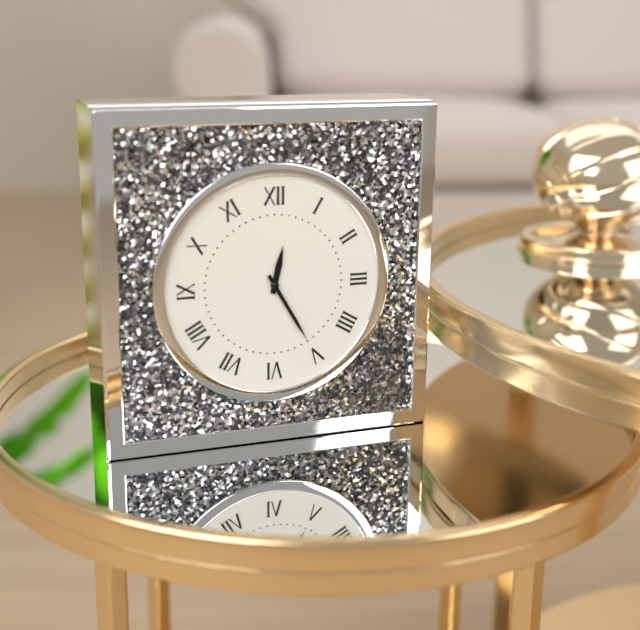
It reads 12:25
